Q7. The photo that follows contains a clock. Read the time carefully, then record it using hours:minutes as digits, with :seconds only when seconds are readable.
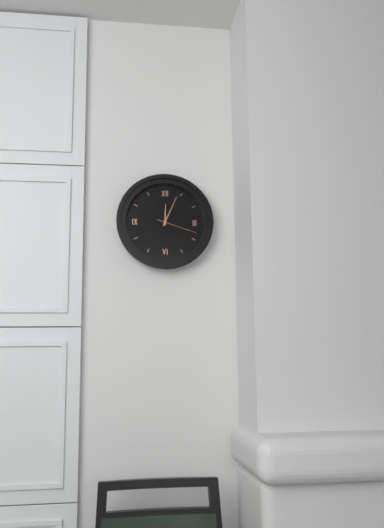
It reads 12:04
